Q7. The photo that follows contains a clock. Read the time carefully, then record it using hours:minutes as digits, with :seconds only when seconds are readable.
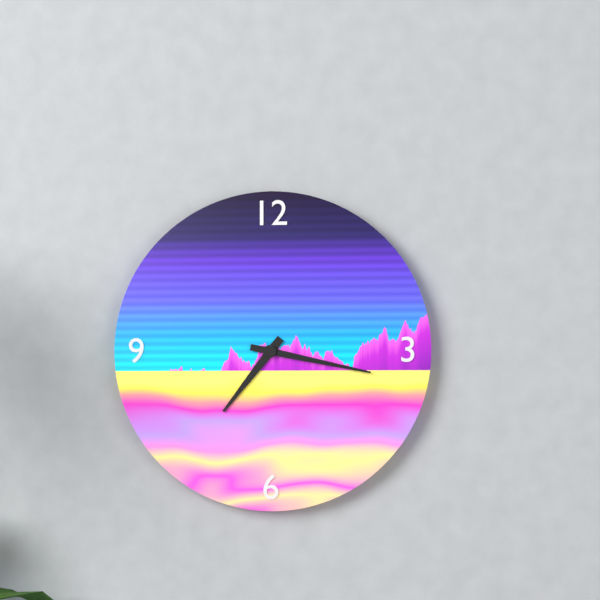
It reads 7:17
